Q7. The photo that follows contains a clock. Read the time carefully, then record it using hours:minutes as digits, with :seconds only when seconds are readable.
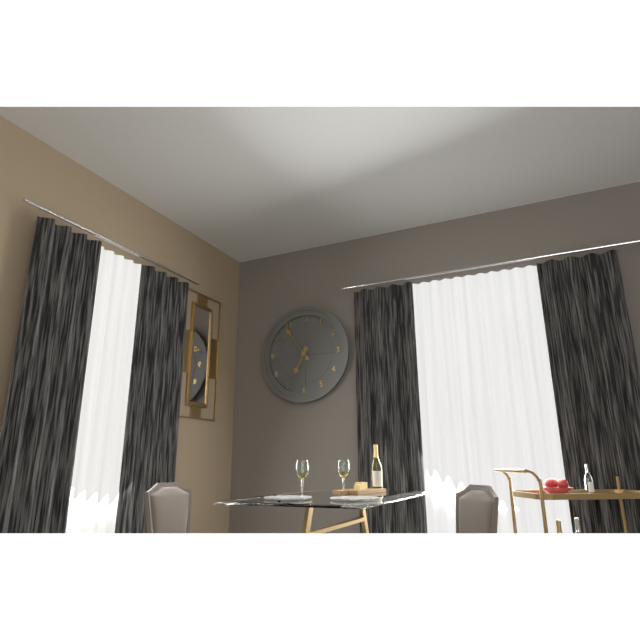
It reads 6:54
